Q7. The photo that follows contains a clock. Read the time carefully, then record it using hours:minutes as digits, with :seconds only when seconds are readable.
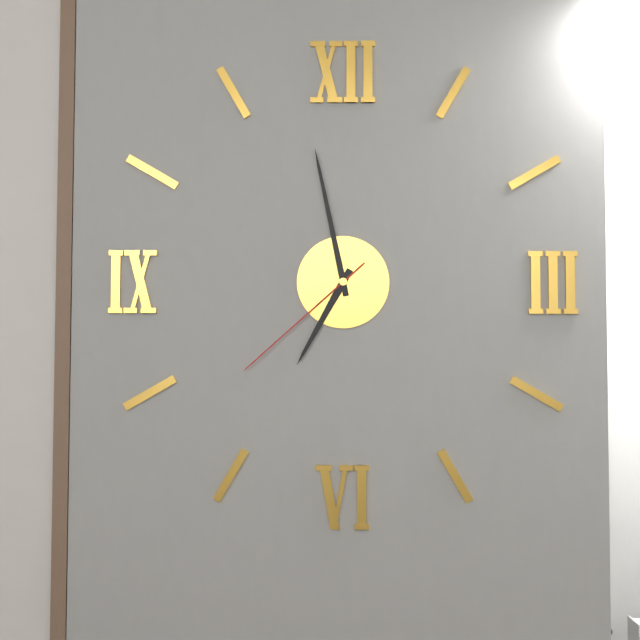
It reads 6:58:38
